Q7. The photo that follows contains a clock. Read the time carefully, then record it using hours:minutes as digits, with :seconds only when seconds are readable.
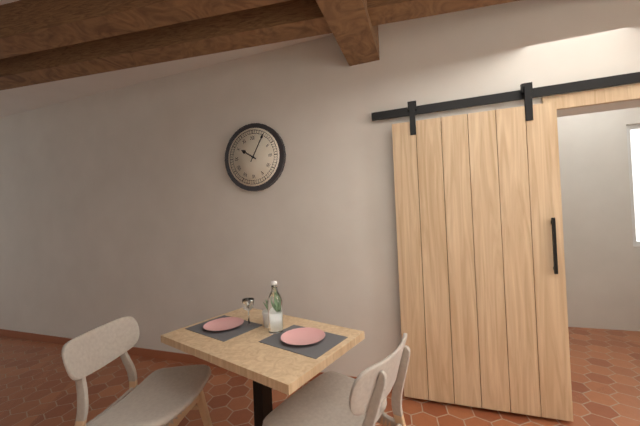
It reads 10:05
